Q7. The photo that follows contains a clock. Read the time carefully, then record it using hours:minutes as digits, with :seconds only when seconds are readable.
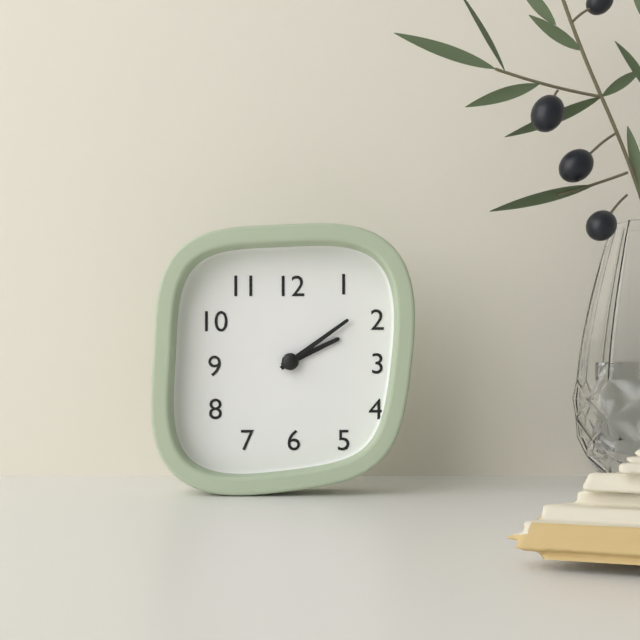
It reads 2:09
